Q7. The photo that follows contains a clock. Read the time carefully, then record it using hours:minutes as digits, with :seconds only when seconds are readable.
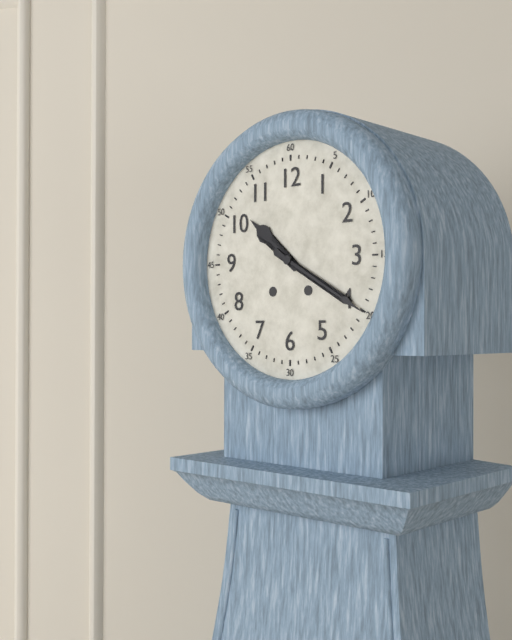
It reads 10:20
